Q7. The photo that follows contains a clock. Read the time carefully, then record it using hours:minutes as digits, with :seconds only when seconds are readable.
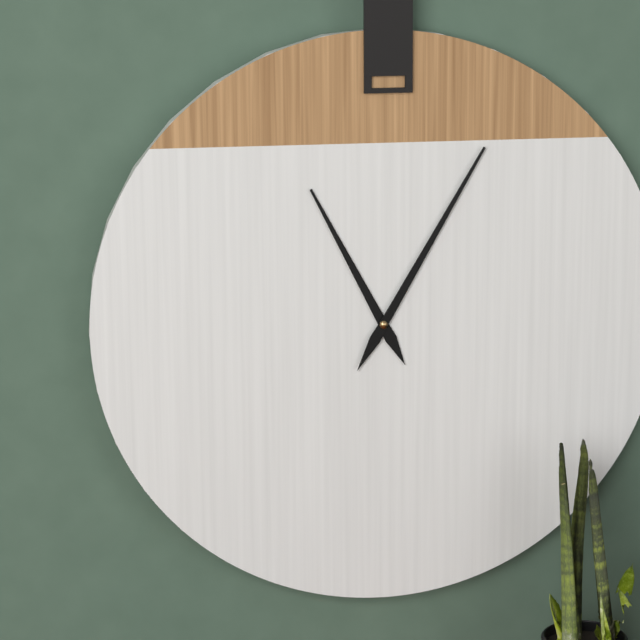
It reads 11:05
